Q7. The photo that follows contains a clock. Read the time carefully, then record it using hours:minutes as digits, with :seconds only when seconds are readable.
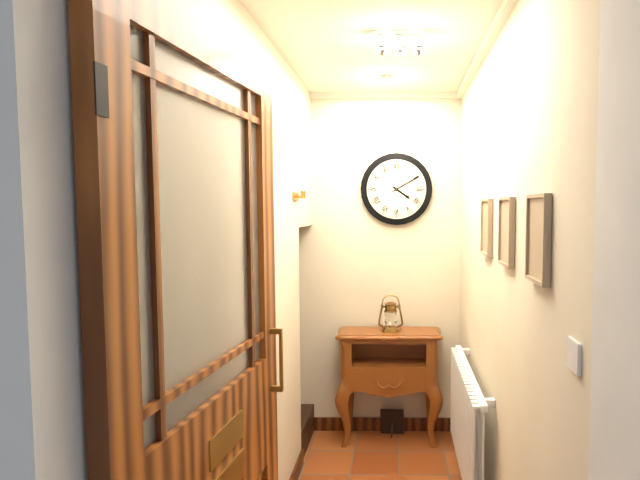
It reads 4:10
